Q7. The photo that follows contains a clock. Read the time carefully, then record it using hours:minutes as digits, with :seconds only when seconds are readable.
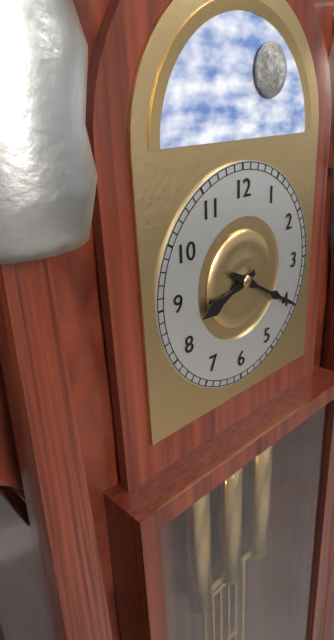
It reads 8:20
